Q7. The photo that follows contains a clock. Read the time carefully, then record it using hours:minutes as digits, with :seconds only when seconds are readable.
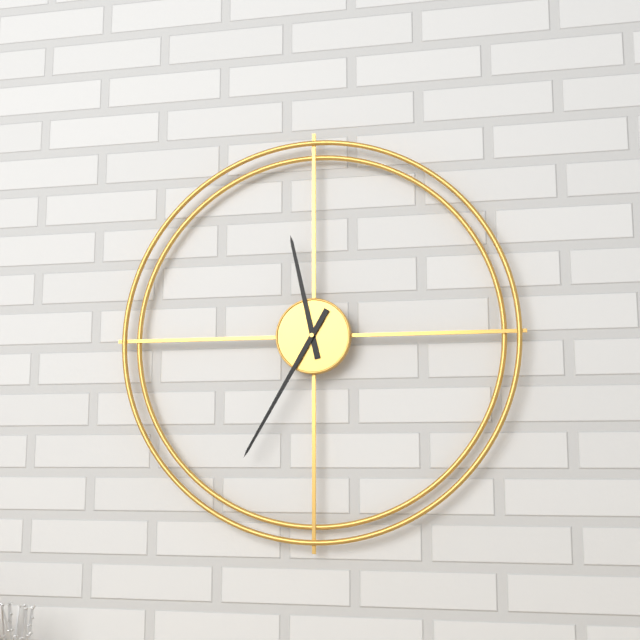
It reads 11:35
